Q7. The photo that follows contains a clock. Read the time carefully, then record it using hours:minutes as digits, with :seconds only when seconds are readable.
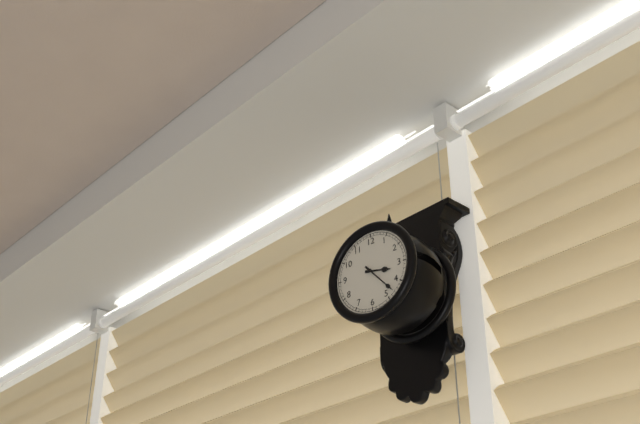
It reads 3:23
